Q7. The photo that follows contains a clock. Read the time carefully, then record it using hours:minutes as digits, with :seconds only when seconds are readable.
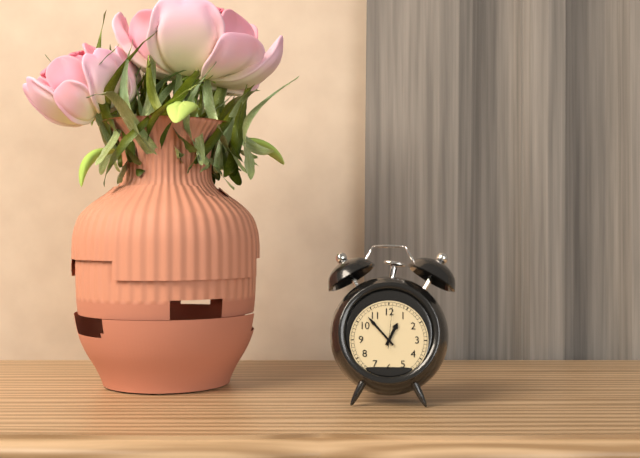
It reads 12:53
